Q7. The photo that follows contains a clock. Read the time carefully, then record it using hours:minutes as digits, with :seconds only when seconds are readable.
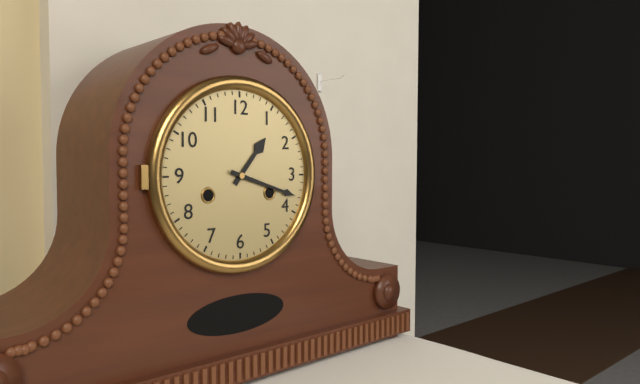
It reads 1:18
